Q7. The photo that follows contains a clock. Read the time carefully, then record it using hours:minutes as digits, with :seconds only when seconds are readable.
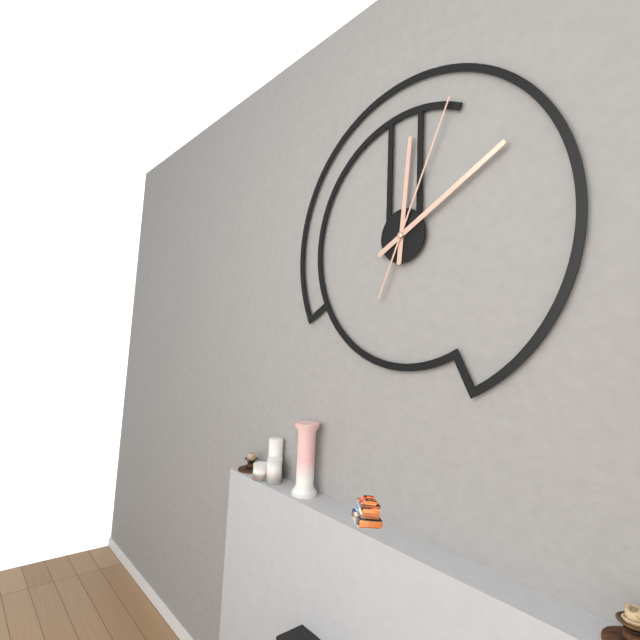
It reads 12:10:04
